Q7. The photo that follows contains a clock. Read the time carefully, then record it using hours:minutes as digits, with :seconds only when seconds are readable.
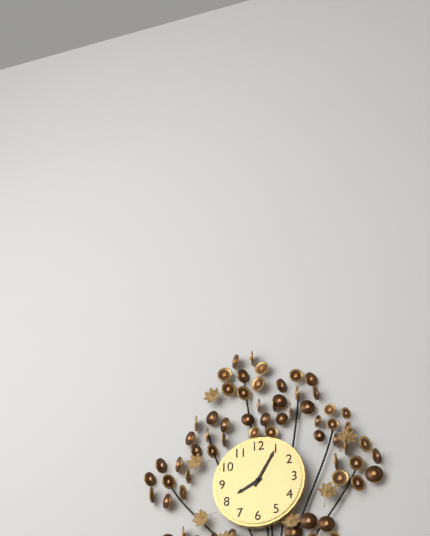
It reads 8:05
